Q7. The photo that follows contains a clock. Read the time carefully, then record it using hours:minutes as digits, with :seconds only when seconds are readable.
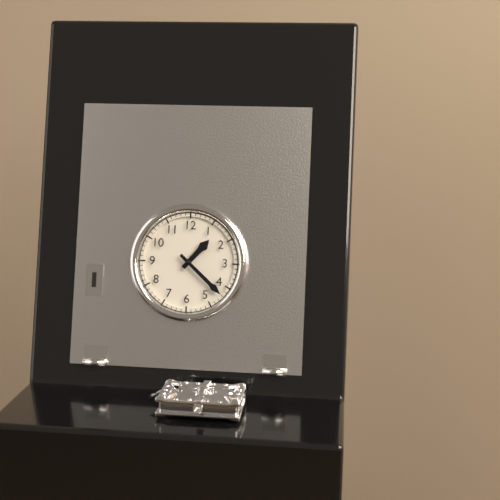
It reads 1:22
